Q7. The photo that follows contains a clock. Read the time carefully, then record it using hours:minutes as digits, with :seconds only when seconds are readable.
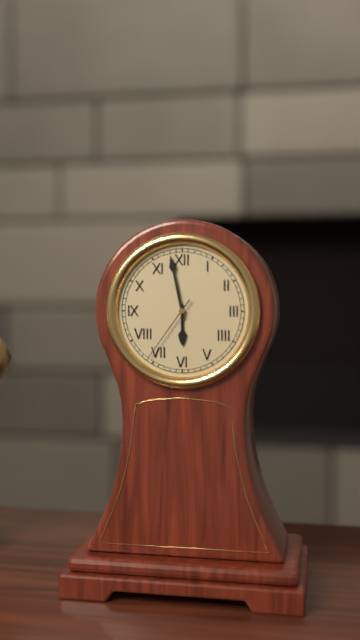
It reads 5:58:36
